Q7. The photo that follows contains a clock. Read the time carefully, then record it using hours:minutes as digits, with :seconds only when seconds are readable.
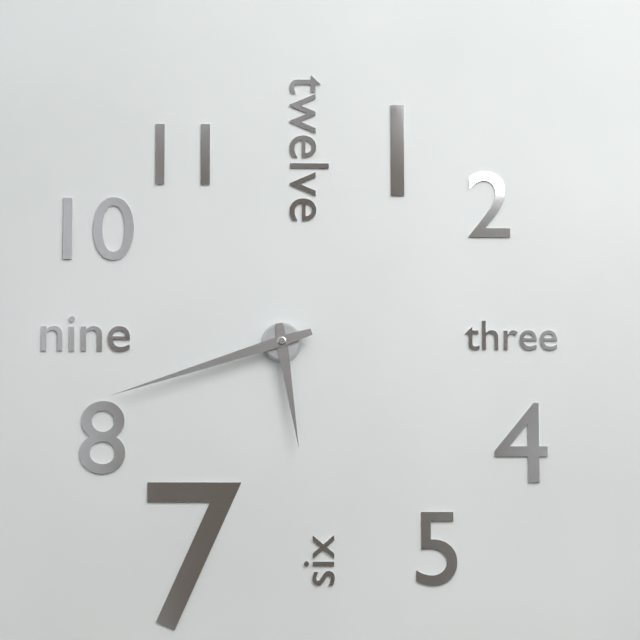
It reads 5:42
